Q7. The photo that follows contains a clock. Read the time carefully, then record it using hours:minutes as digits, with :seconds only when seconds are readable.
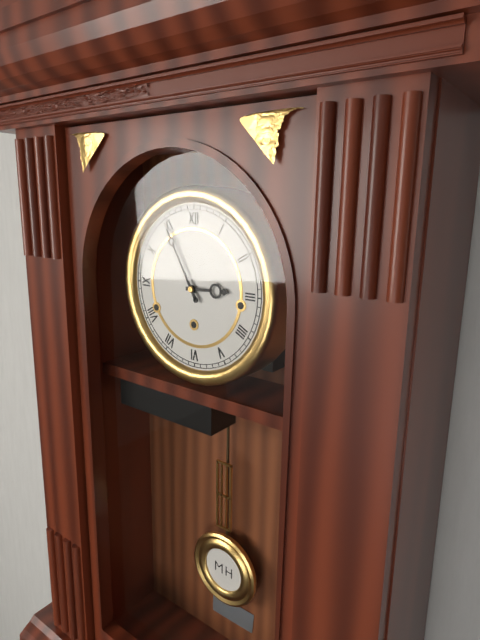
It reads 2:55
